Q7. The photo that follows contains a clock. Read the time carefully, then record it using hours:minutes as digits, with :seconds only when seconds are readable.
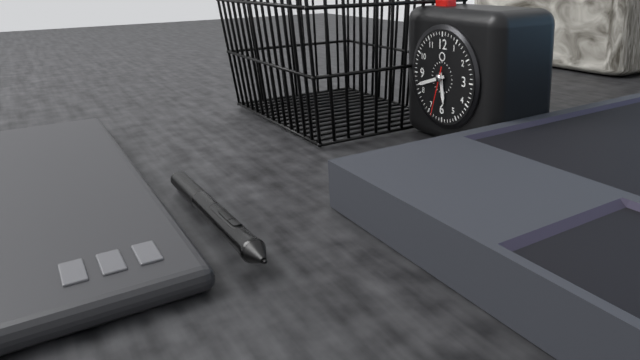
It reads 5:42
